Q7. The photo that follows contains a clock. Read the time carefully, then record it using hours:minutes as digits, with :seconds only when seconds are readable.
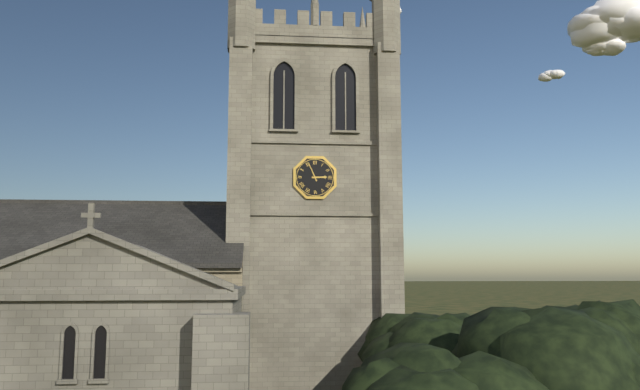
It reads 2:56
